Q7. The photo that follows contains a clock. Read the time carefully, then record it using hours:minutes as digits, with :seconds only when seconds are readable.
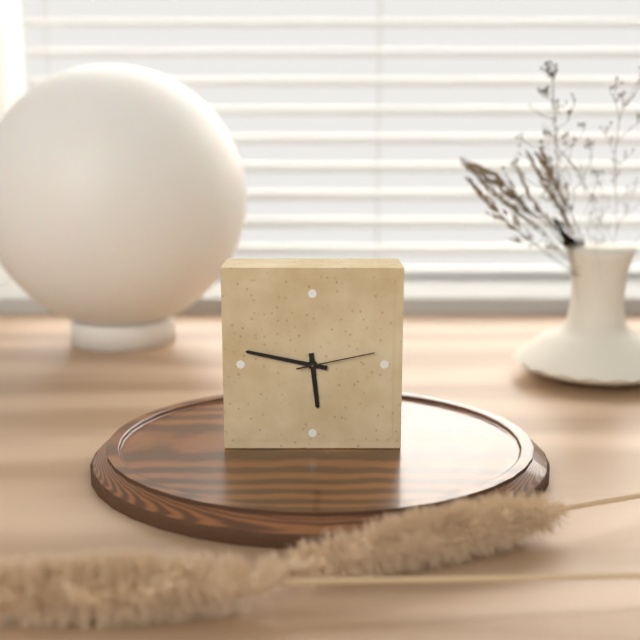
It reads 5:47:13
